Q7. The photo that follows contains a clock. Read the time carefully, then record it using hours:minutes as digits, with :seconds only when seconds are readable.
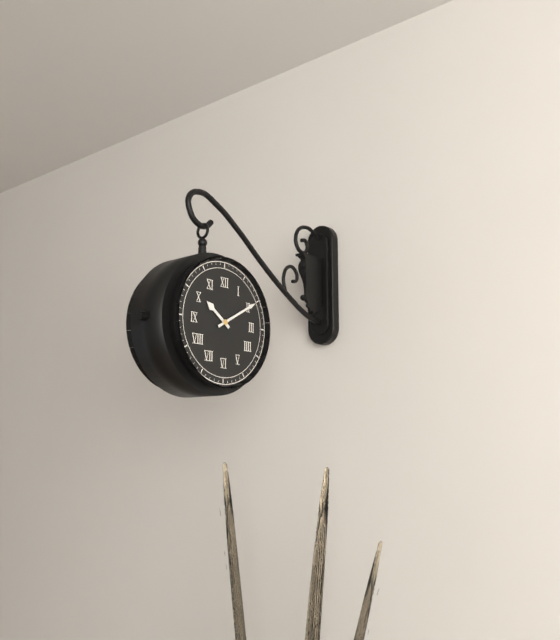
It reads 10:10
